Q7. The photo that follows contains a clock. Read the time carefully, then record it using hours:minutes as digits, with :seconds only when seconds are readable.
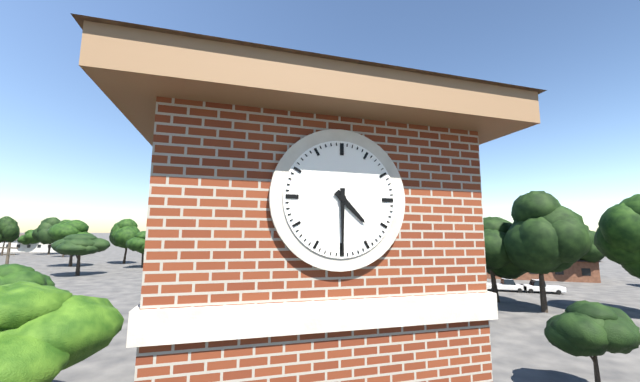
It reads 4:30
